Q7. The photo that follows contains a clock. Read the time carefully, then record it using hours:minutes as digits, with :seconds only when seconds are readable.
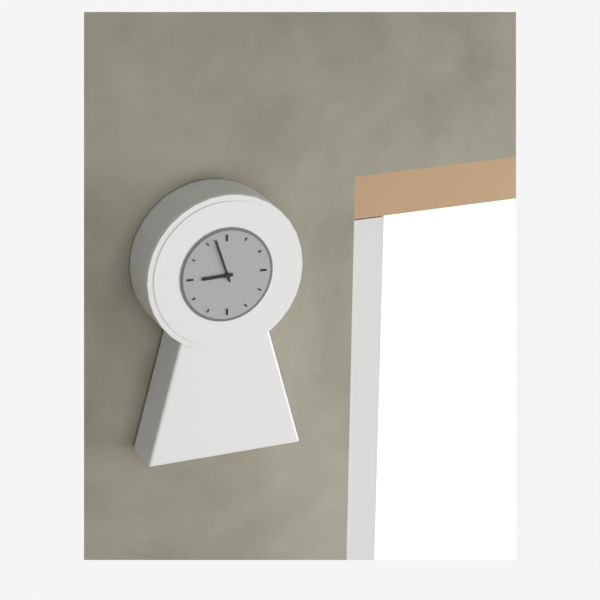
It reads 8:57
